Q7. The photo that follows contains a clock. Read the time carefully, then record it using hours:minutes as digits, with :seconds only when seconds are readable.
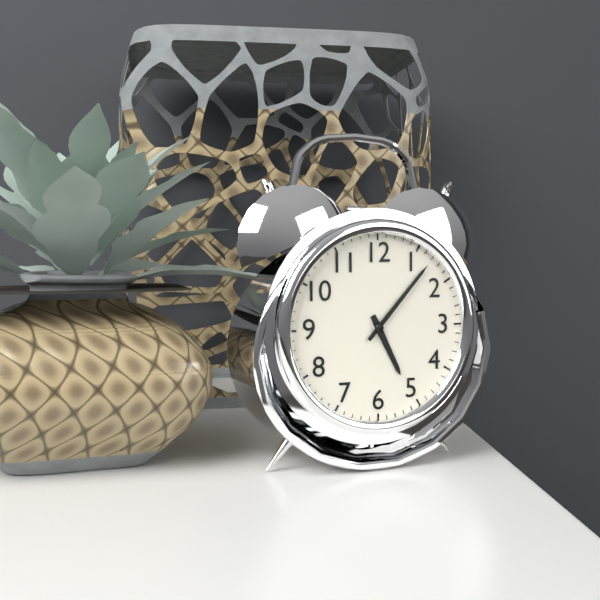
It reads 5:07
